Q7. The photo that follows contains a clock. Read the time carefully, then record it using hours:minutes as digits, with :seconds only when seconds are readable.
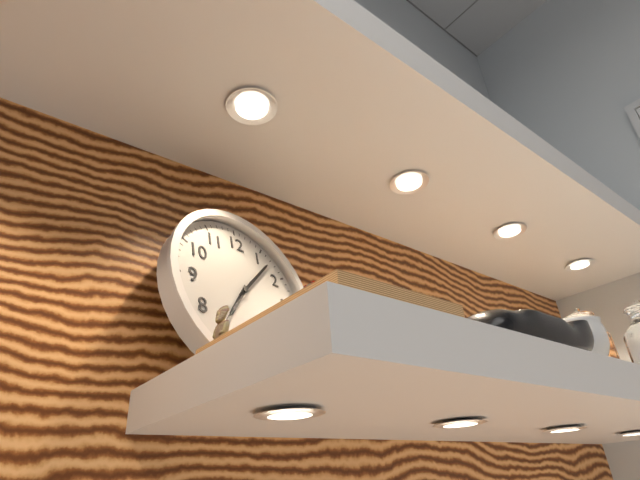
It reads 7:07:36
